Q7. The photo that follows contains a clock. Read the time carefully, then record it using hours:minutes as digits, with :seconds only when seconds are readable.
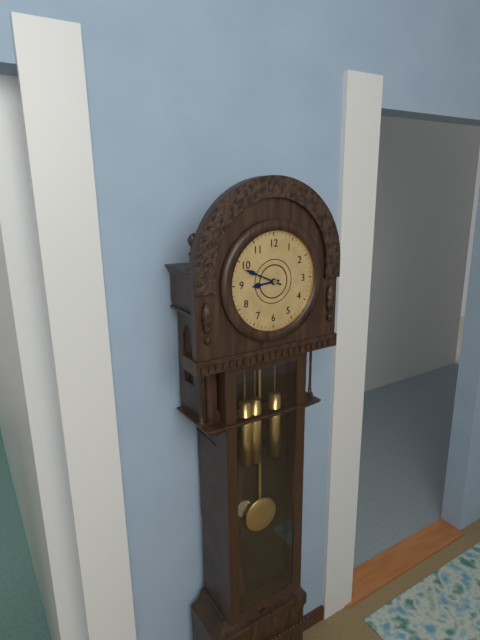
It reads 8:49
